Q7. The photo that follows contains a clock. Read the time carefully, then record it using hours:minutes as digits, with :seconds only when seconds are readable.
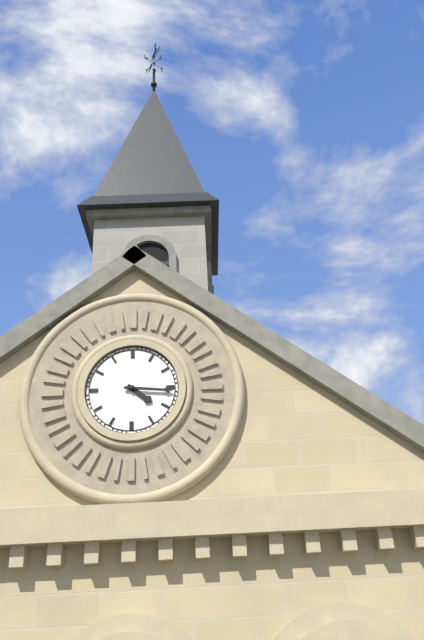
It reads 4:16
